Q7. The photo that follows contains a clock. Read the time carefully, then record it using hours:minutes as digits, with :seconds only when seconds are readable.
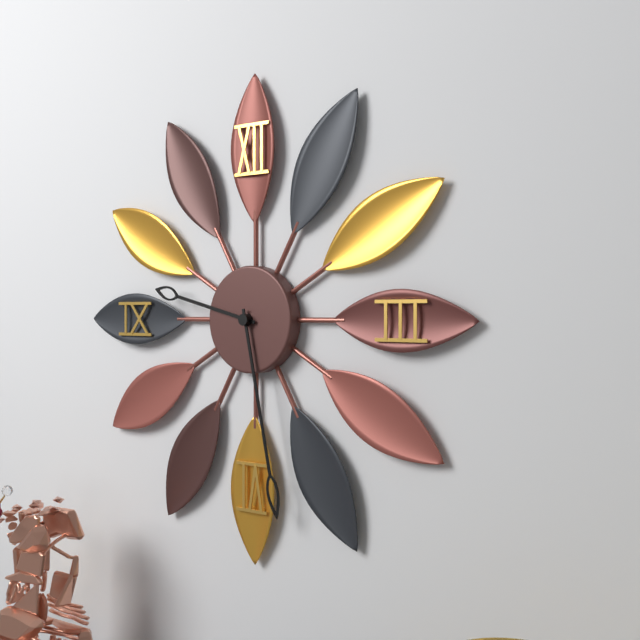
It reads 9:28
